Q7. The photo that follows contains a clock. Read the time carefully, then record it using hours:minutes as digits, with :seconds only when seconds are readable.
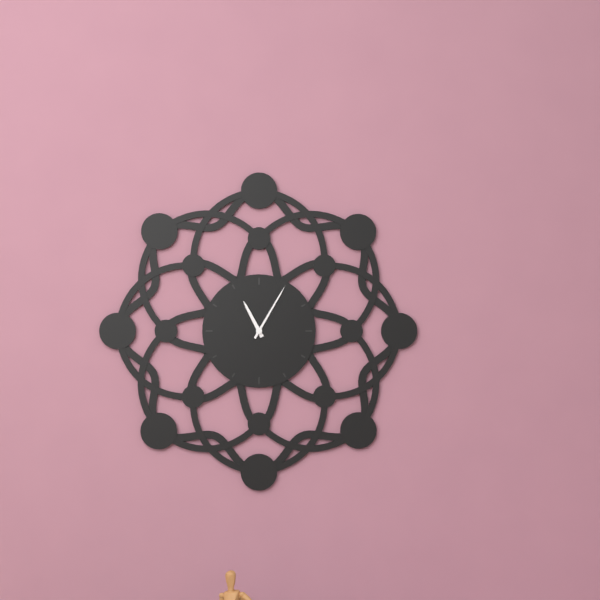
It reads 11:05
